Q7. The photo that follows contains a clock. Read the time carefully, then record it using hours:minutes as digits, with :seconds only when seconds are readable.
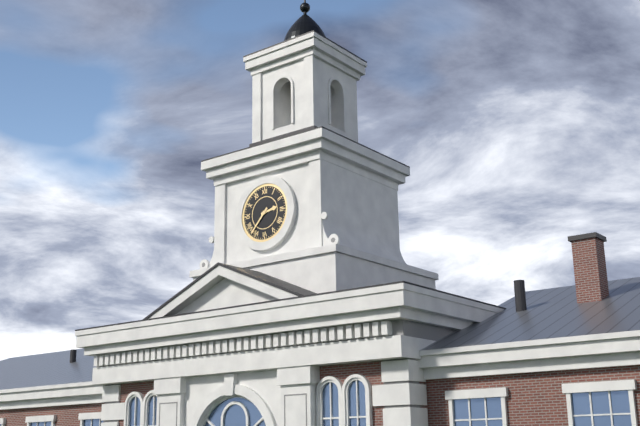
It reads 2:37
